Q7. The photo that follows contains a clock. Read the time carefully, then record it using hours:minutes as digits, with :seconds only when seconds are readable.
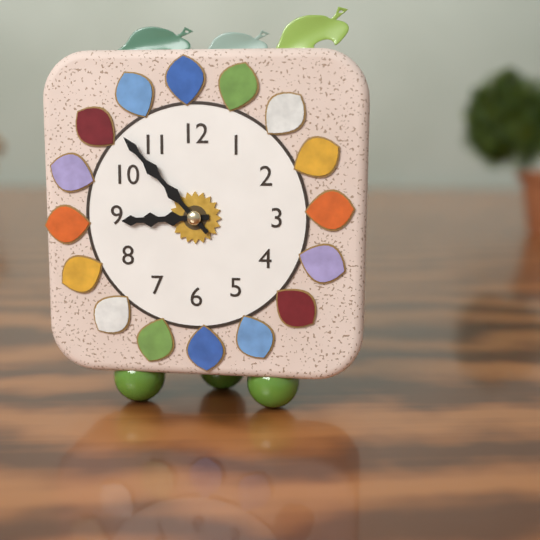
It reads 8:53
